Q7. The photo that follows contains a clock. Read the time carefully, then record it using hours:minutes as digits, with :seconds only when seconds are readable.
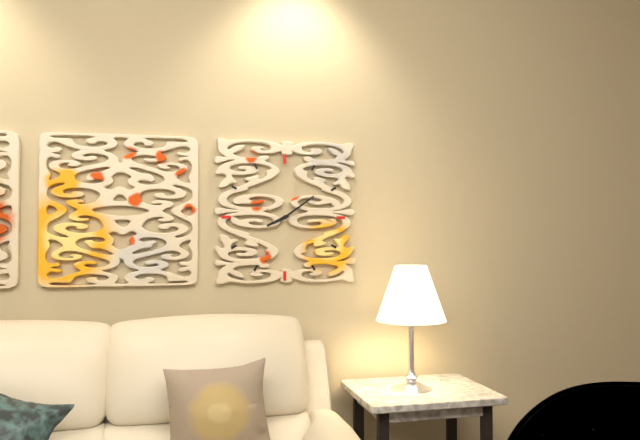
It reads 8:09
